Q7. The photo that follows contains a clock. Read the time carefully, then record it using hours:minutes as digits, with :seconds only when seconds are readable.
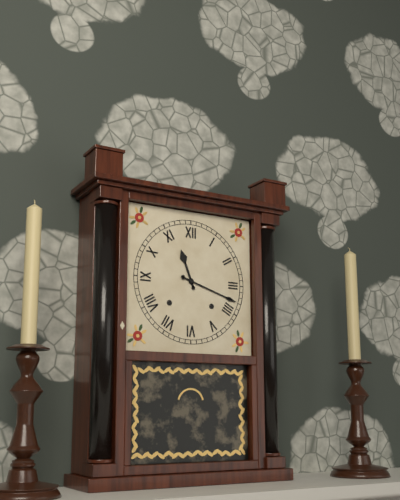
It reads 11:18
